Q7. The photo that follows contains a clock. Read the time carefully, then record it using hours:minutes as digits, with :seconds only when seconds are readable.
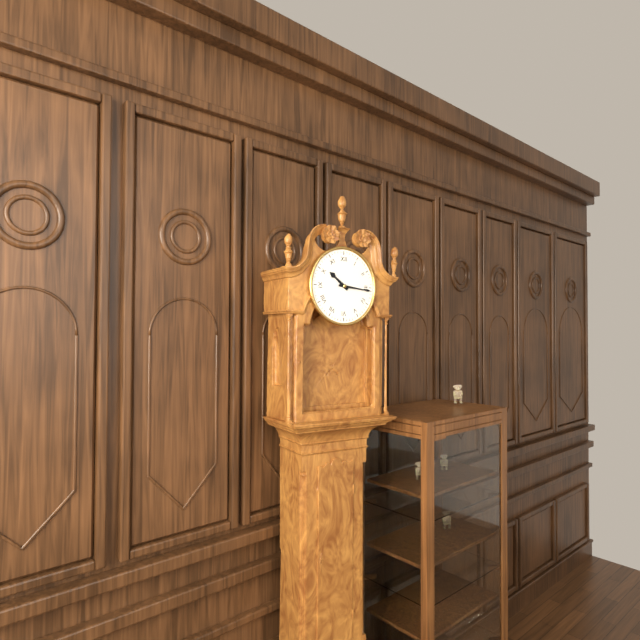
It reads 10:16
